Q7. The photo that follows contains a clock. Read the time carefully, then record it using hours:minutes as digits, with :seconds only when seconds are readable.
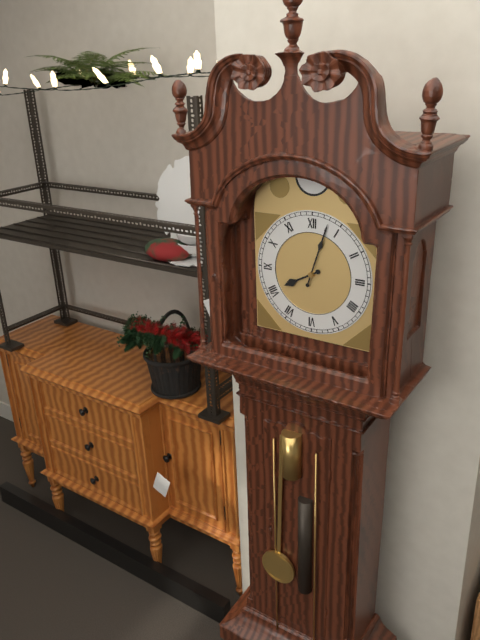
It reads 8:03
